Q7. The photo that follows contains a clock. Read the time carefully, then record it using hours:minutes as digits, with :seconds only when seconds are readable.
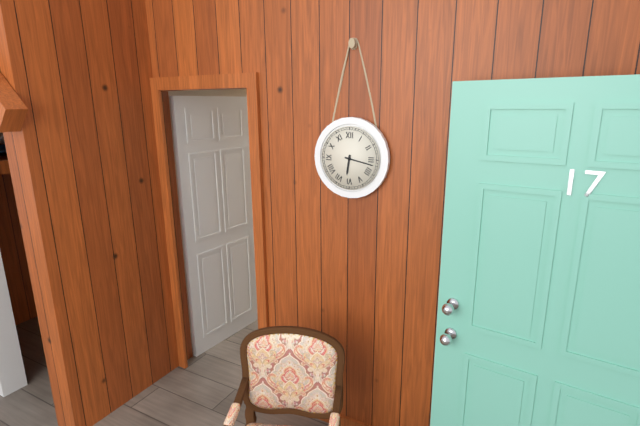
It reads 6:17
